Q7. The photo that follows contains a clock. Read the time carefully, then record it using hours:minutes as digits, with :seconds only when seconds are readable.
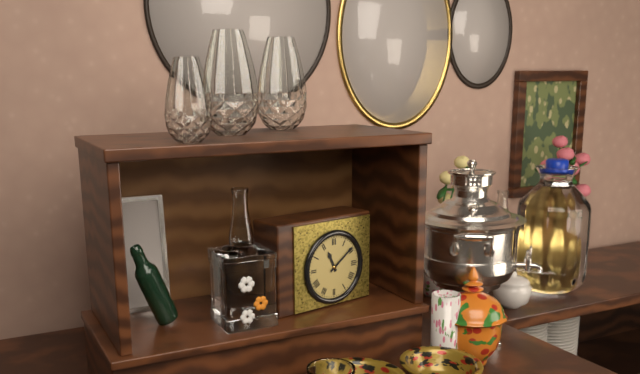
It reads 11:09
